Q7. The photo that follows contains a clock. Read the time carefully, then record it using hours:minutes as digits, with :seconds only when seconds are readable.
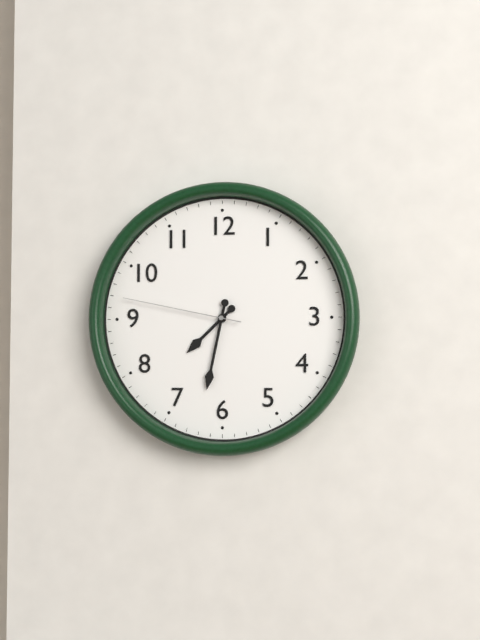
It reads 7:32:47
